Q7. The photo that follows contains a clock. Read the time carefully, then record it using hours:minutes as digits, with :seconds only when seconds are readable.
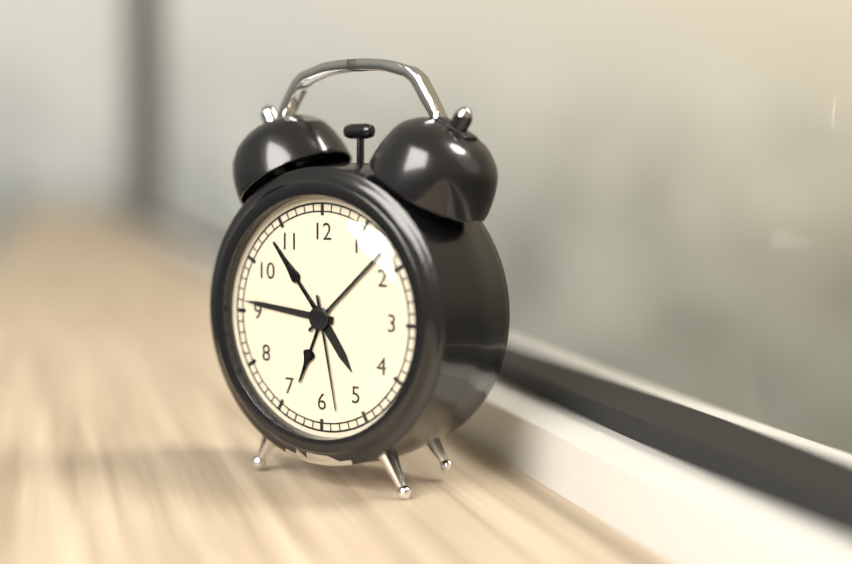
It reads 4:46:28
